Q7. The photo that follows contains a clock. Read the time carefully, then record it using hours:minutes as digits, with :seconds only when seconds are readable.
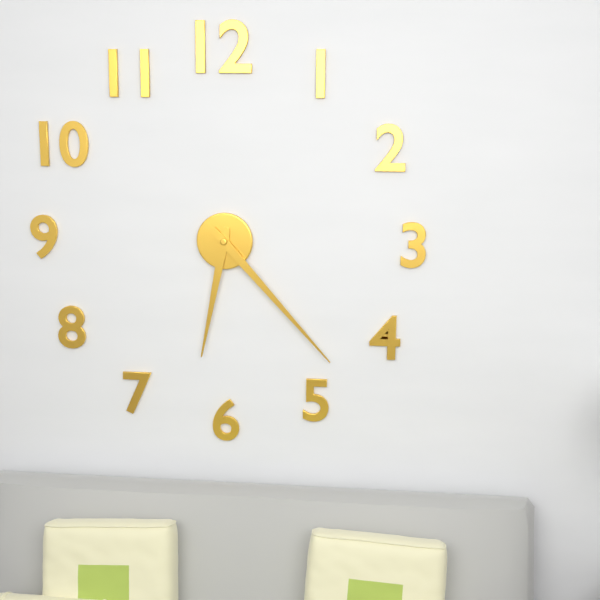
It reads 6:23
